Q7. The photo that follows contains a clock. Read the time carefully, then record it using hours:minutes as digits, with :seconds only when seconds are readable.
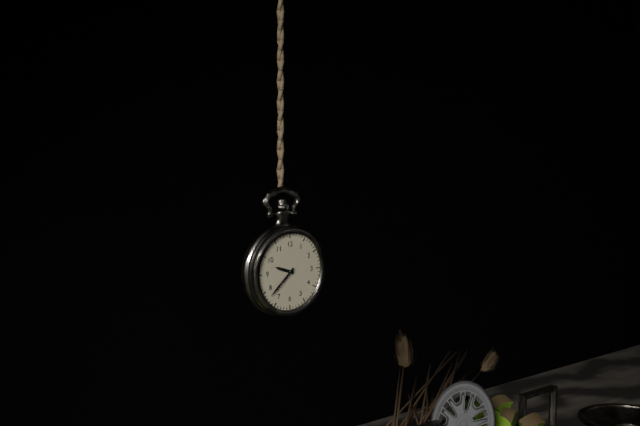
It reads 9:38
